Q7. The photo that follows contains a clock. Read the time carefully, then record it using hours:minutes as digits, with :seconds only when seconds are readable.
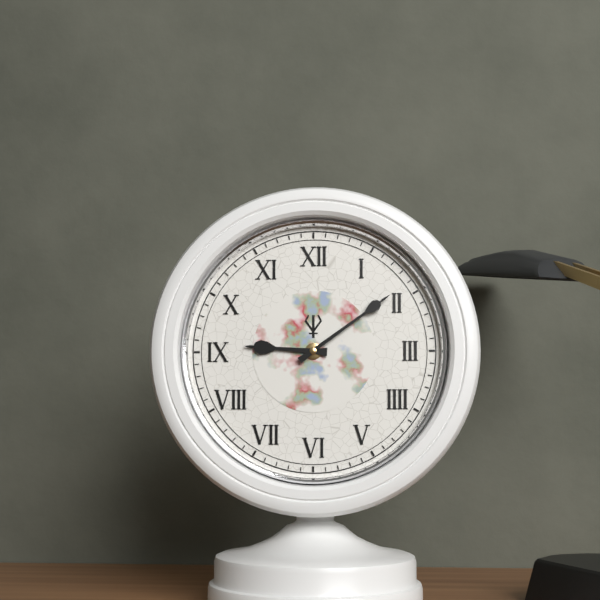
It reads 9:09
